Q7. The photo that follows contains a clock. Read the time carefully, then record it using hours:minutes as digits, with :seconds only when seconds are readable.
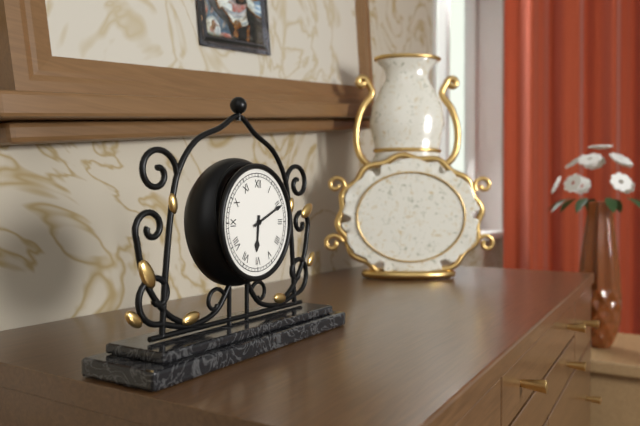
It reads 6:11
